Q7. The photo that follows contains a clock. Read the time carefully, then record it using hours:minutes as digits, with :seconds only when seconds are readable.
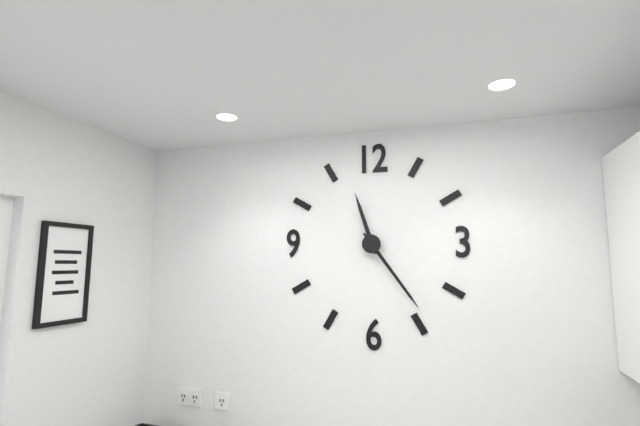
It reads 11:24
